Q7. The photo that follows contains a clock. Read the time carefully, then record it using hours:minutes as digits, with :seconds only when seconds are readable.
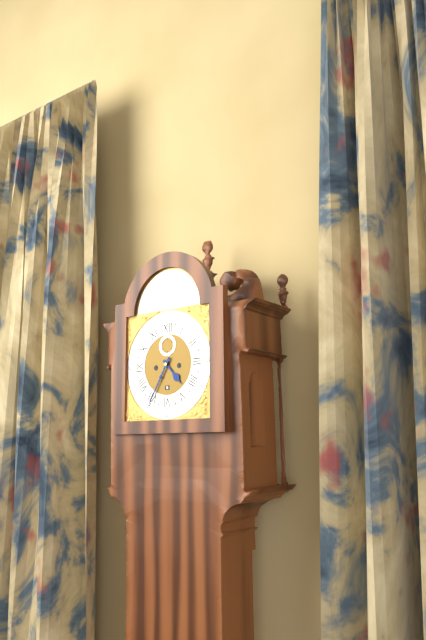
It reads 4:35
